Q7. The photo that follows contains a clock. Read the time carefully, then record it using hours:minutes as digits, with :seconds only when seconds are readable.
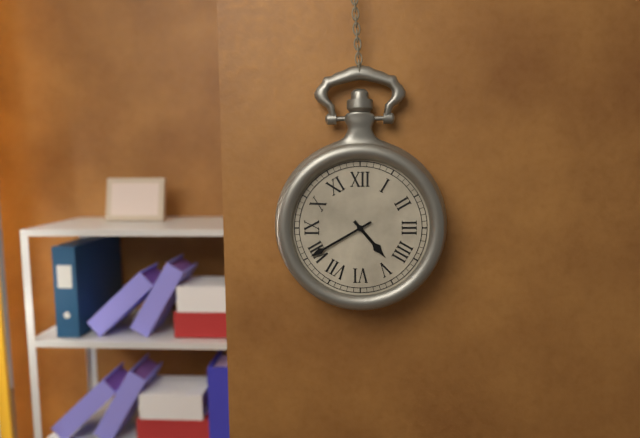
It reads 4:40
